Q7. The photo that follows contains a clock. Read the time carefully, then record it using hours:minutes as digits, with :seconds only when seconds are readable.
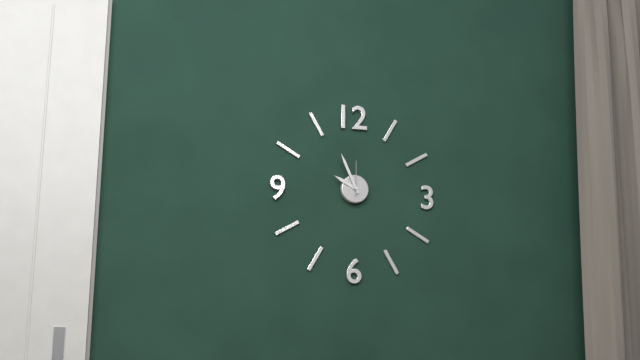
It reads 9:56
